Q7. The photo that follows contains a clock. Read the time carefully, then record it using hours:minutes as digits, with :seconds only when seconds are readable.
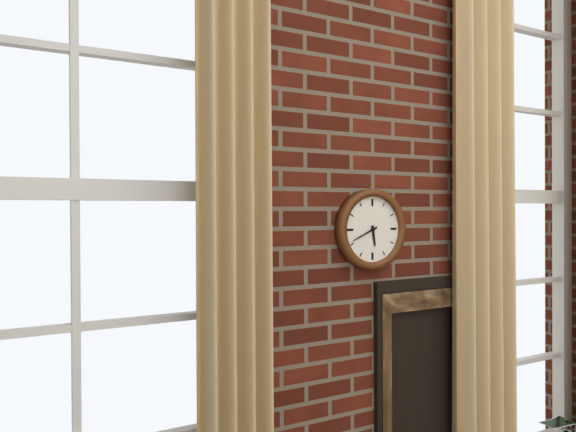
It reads 5:41
